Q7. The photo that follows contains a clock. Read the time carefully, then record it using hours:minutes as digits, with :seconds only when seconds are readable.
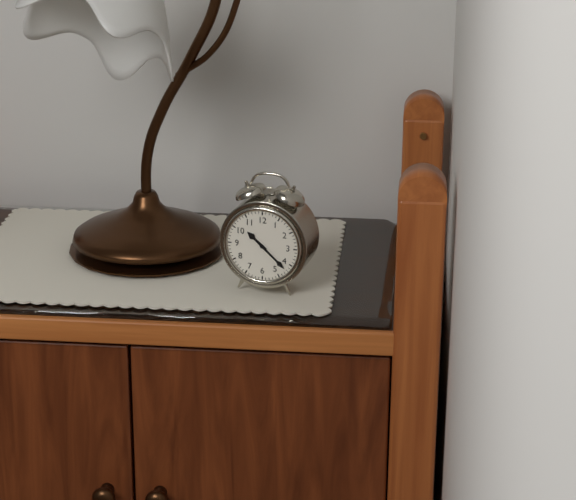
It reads 10:22
